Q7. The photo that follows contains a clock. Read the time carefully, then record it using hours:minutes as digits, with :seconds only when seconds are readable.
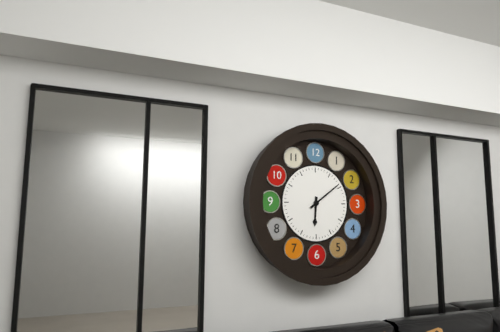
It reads 6:09
